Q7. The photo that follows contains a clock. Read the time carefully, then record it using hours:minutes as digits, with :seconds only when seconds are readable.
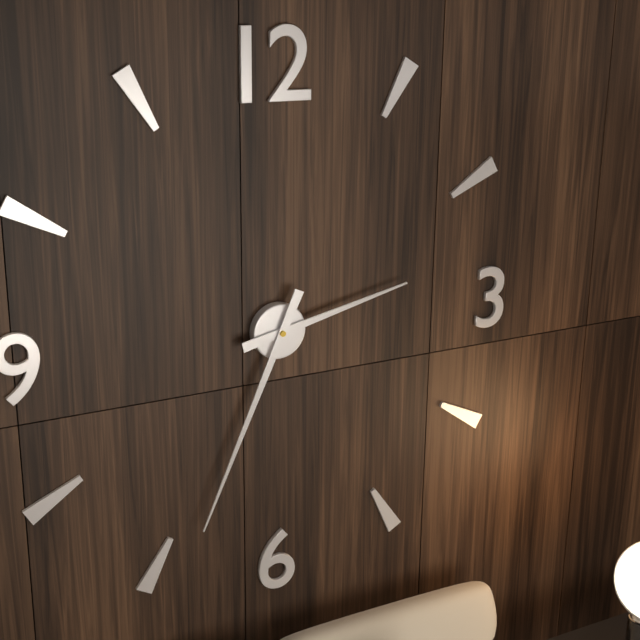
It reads 2:34
